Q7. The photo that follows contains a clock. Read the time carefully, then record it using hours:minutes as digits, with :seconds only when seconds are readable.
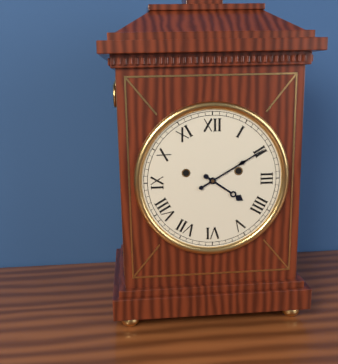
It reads 4:10
